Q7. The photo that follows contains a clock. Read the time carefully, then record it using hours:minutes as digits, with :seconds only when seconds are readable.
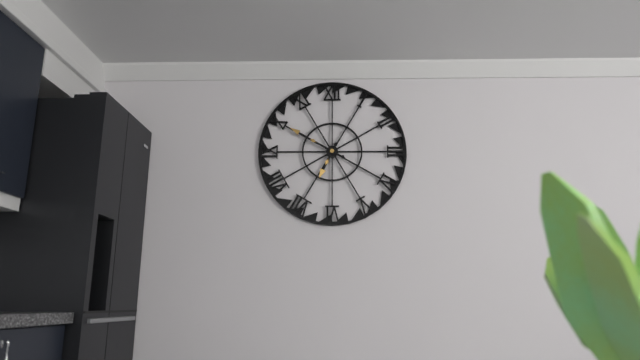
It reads 6:50
